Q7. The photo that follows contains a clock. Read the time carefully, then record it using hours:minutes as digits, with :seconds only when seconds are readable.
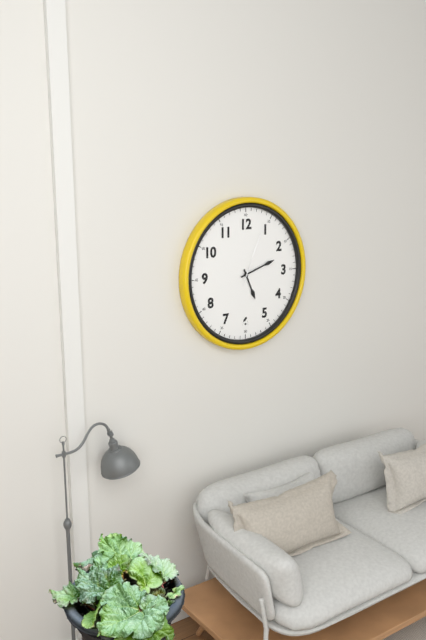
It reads 5:12:04
